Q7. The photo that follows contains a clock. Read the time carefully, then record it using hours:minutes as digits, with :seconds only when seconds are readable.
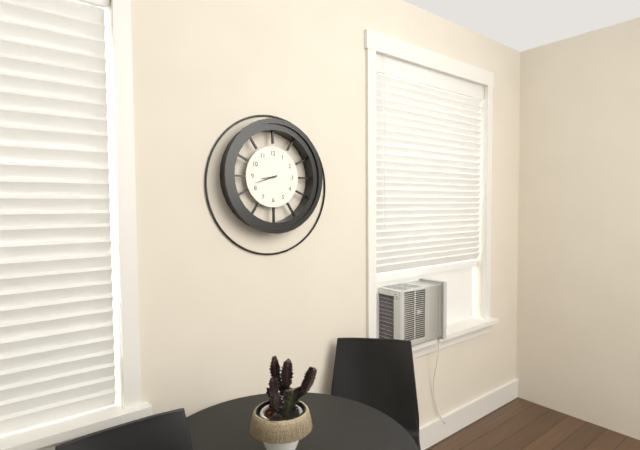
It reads 8:42
